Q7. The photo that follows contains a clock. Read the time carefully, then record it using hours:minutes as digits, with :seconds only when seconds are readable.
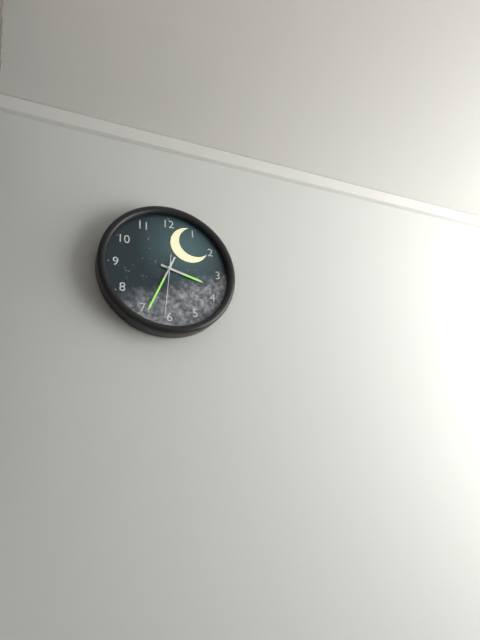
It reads 3:34:31
